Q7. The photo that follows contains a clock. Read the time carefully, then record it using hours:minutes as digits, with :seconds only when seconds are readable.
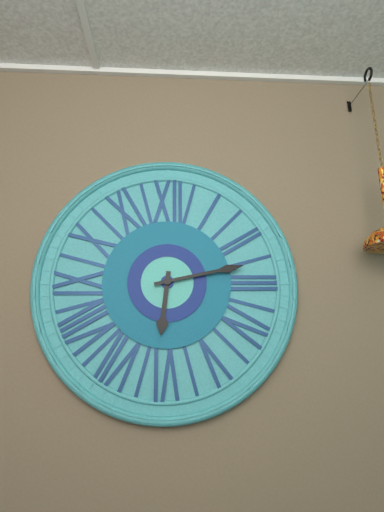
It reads 6:13
